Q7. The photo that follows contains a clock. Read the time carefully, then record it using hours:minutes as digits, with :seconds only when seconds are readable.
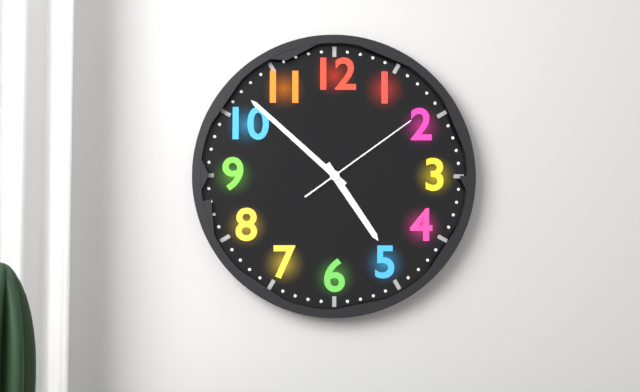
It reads 4:52:09
